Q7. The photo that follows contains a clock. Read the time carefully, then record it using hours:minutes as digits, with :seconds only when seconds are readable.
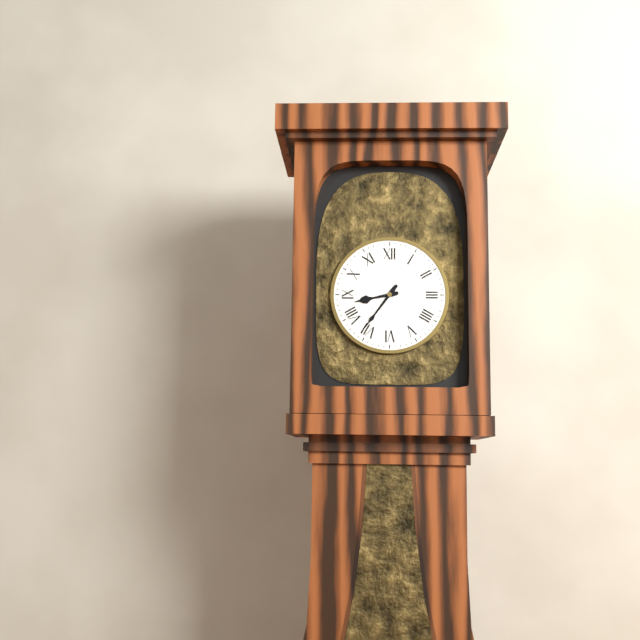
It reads 8:36
